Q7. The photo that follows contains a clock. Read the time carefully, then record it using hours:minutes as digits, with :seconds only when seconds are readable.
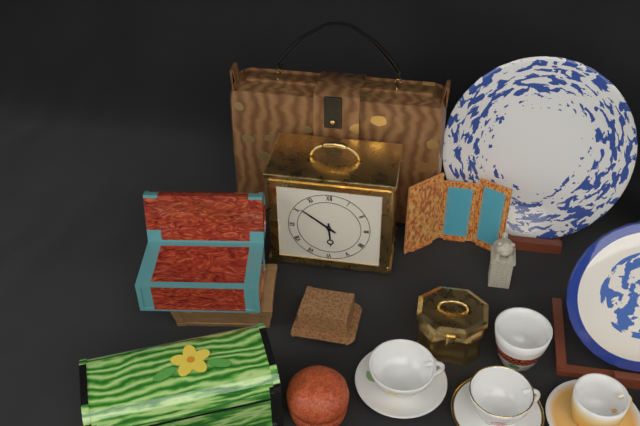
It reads 5:51
